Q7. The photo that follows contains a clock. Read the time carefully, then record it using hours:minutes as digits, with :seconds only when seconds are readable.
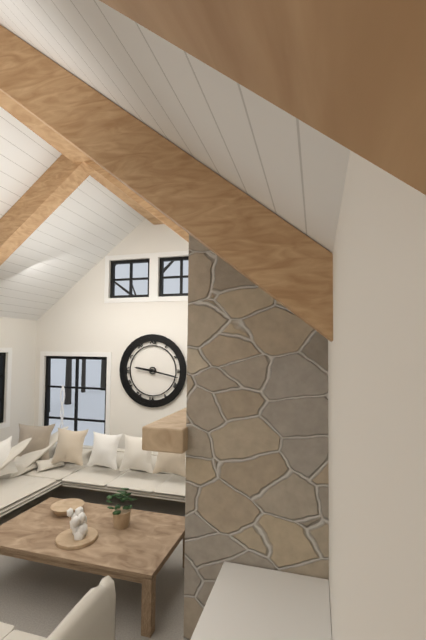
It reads 9:17
